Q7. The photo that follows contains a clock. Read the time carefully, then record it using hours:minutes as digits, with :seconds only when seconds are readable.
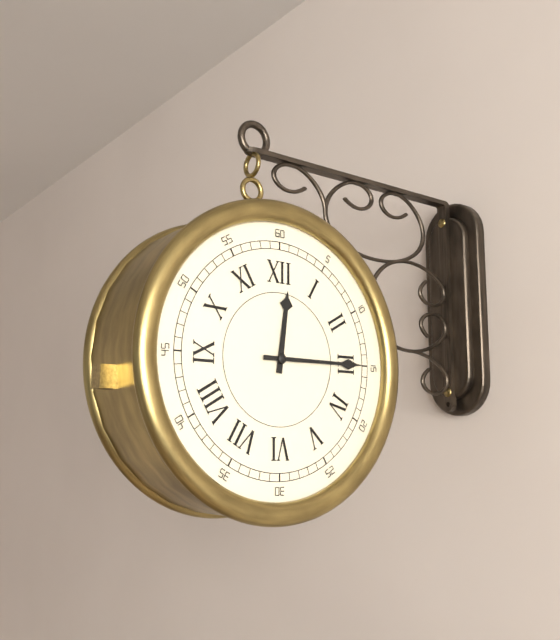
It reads 12:15
